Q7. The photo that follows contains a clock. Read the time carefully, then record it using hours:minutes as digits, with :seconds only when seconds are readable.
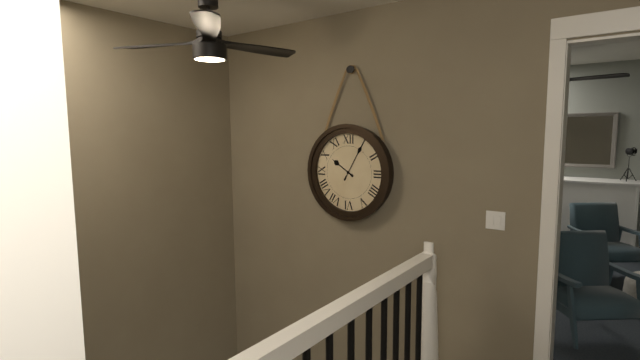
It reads 10:05
